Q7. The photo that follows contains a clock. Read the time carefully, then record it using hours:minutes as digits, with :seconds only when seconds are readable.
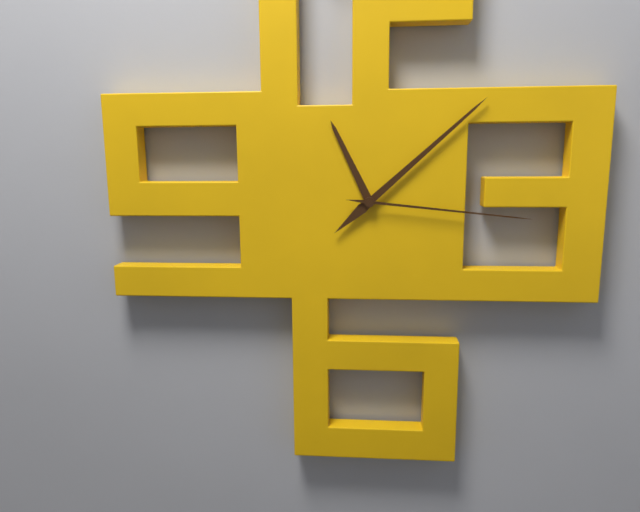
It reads 11:08:16
